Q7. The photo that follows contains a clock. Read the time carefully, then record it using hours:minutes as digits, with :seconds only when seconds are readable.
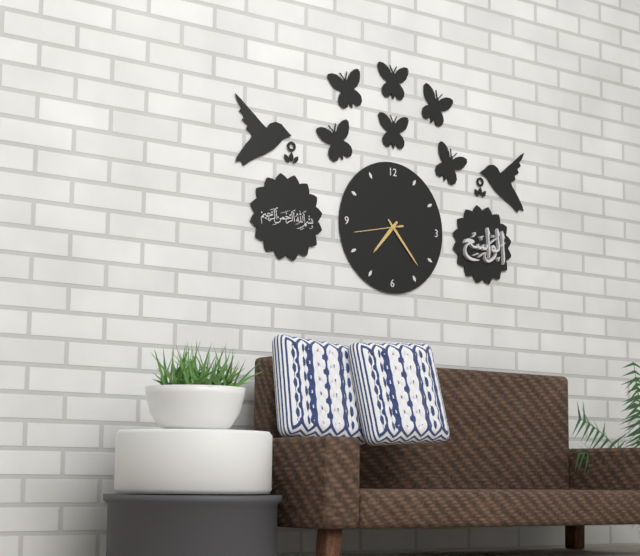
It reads 7:23
